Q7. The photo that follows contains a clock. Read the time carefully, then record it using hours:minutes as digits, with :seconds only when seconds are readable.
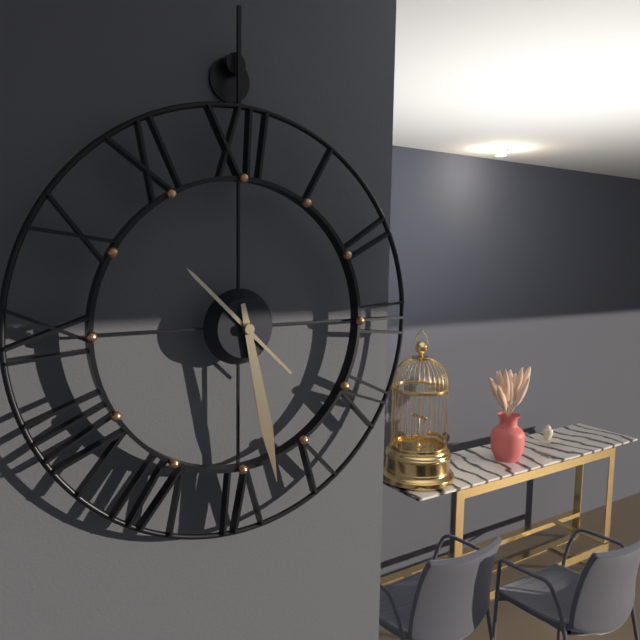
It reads 10:28
